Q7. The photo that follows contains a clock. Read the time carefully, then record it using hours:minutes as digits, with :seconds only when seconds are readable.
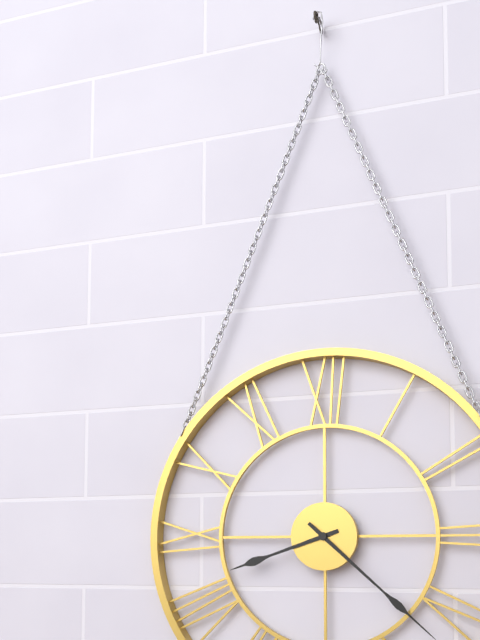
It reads 8:22
